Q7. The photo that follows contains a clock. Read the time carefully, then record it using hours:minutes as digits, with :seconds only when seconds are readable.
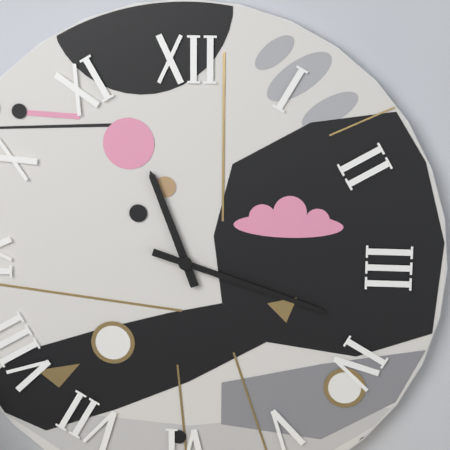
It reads 11:18
